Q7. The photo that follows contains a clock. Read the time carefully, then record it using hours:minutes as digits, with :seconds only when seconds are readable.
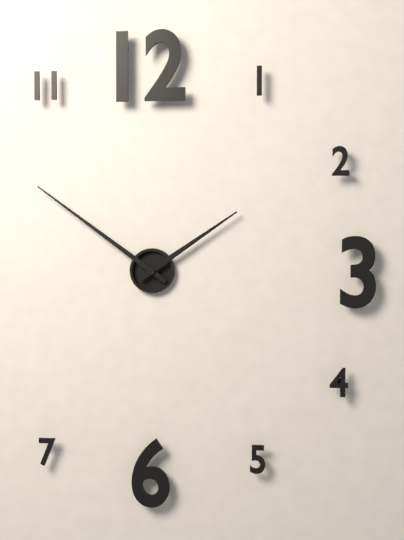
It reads 1:51
